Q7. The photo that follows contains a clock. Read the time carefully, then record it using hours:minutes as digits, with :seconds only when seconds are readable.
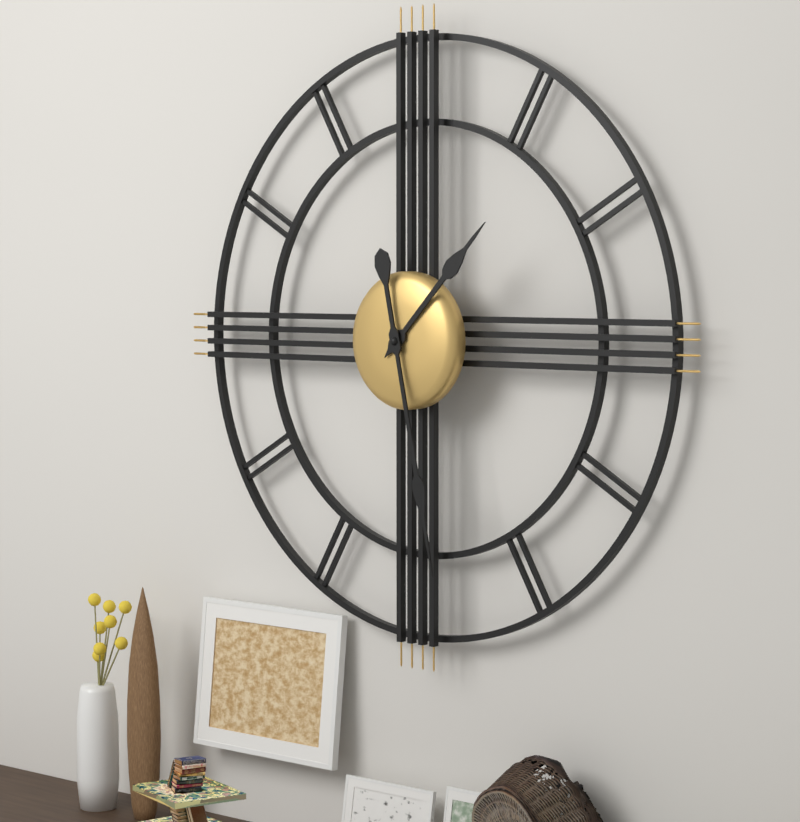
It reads 1:28
